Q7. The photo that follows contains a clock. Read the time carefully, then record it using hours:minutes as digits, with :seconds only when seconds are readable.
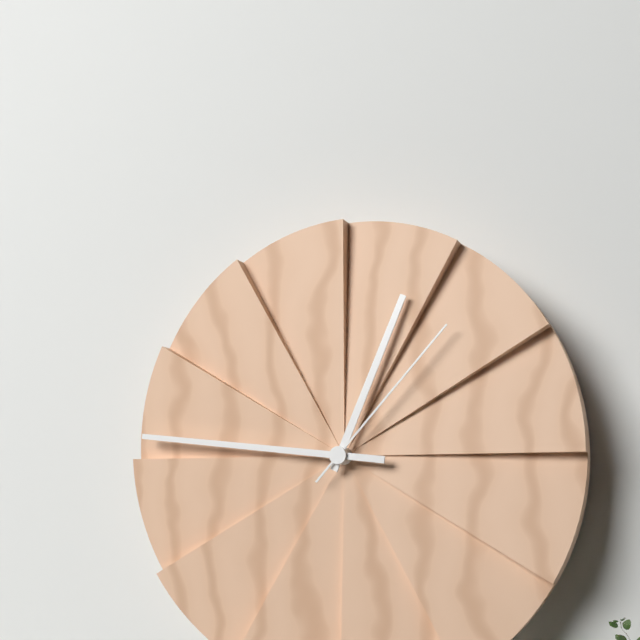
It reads 12:46:07
